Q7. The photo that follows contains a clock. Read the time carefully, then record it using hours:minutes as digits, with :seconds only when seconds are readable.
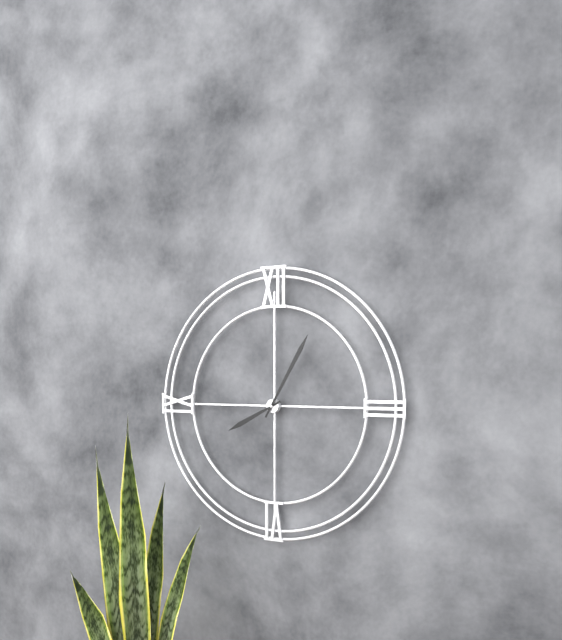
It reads 8:05
